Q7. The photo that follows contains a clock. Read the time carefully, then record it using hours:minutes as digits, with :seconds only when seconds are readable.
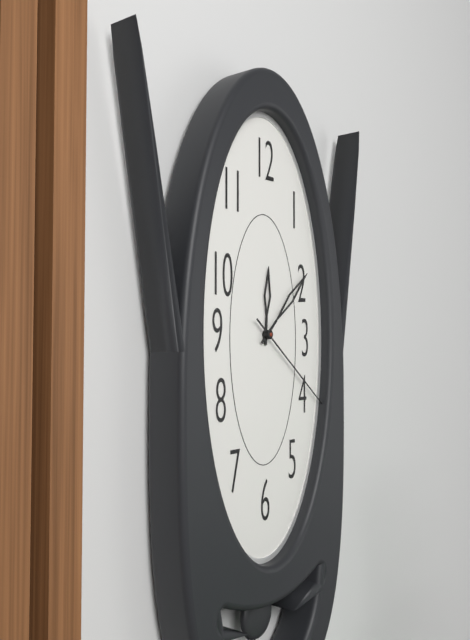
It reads 12:08:21
